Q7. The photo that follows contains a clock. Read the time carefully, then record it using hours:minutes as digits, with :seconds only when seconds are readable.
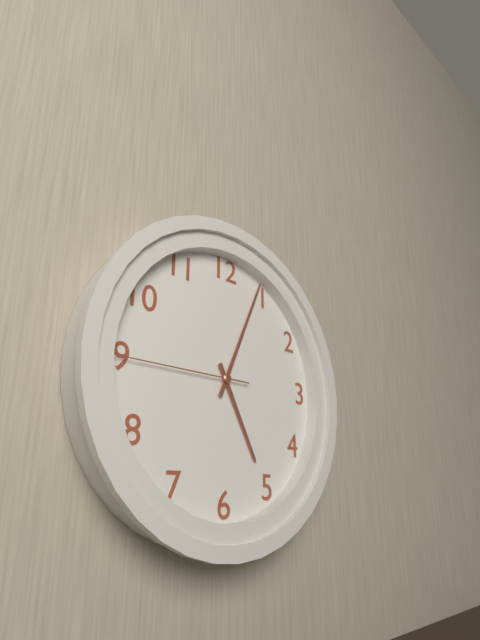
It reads 5:04:45
